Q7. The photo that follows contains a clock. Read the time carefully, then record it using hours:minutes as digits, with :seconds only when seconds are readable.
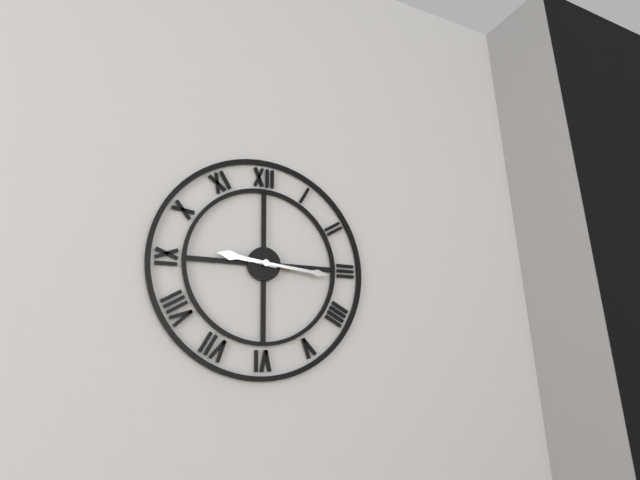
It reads 9:16
